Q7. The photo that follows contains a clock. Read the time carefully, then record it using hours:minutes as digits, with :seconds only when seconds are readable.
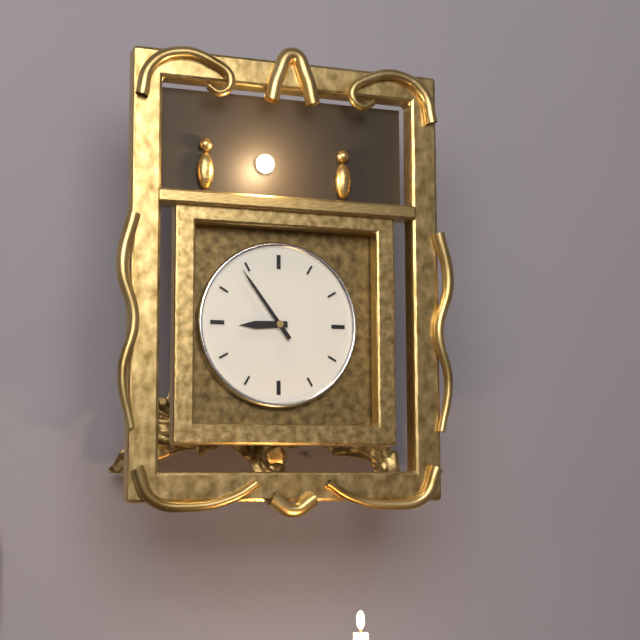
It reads 8:54
